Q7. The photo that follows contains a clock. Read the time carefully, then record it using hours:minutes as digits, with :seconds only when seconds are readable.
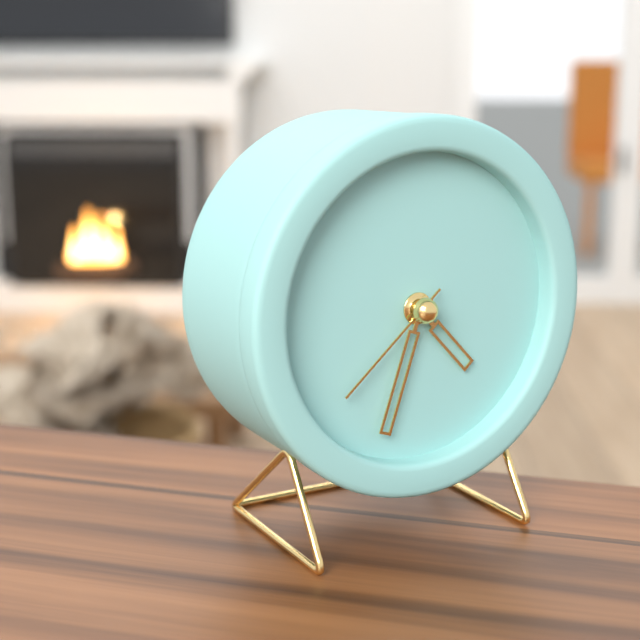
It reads 4:33:38
